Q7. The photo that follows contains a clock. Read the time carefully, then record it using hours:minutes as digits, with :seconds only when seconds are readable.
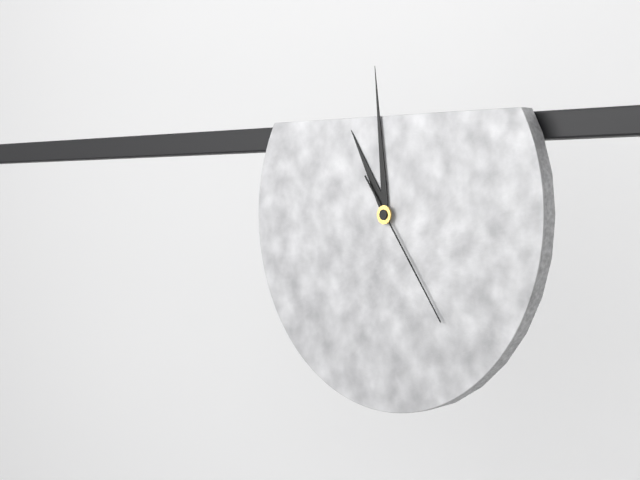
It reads 10:59:24
